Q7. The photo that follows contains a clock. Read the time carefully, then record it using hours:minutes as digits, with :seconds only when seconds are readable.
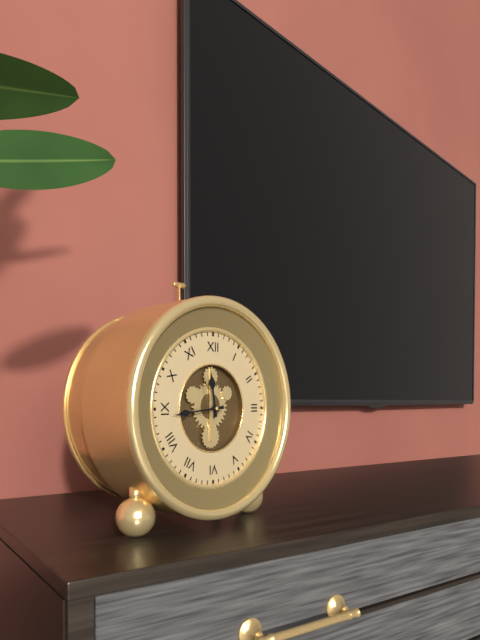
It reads 11:44
